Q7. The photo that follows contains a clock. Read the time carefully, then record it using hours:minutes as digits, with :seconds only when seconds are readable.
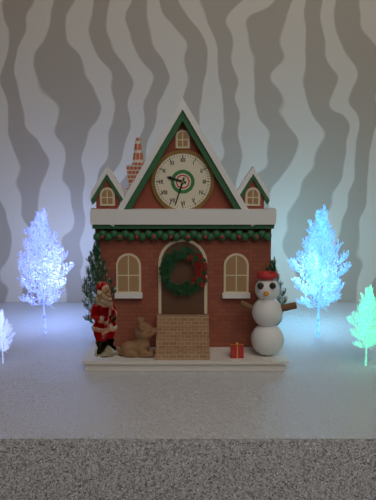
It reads 9:33
